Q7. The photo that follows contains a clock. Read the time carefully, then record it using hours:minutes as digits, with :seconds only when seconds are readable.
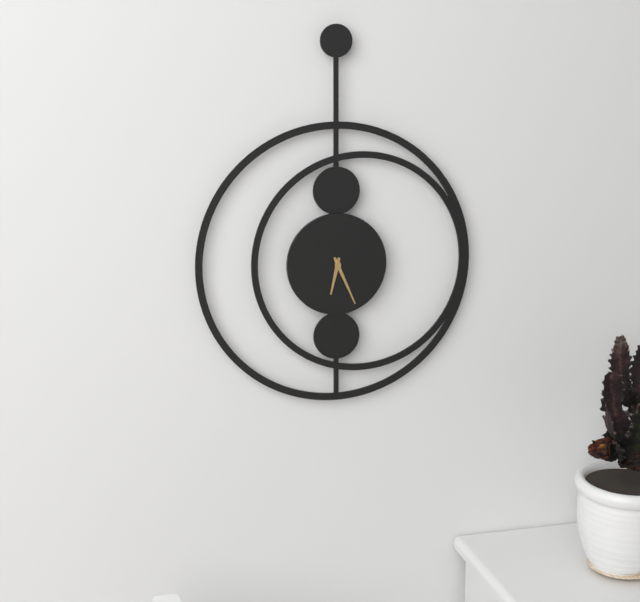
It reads 6:26
